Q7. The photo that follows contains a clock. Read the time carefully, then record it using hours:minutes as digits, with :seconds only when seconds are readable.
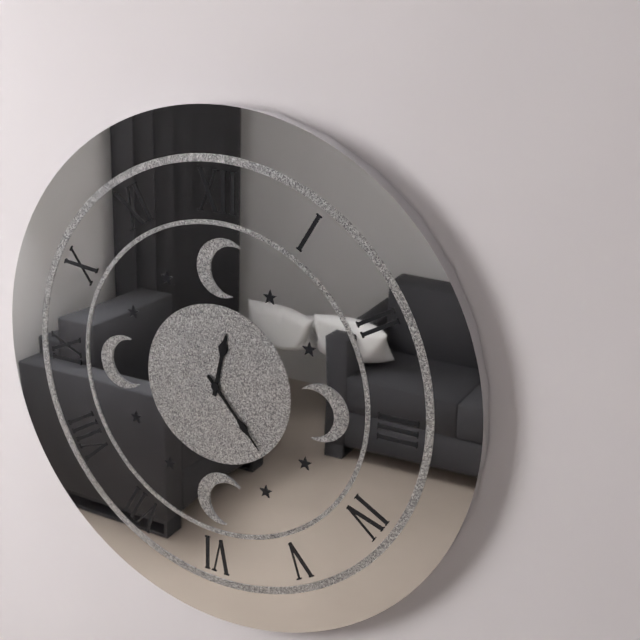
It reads 12:23
